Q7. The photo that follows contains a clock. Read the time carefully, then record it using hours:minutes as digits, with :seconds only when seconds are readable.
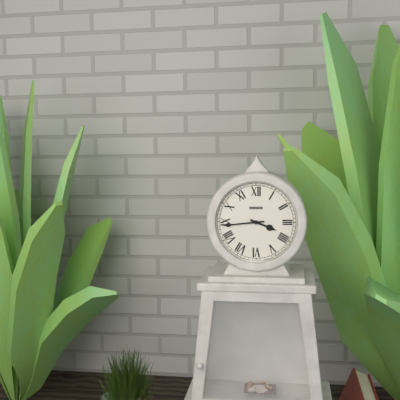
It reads 3:44
